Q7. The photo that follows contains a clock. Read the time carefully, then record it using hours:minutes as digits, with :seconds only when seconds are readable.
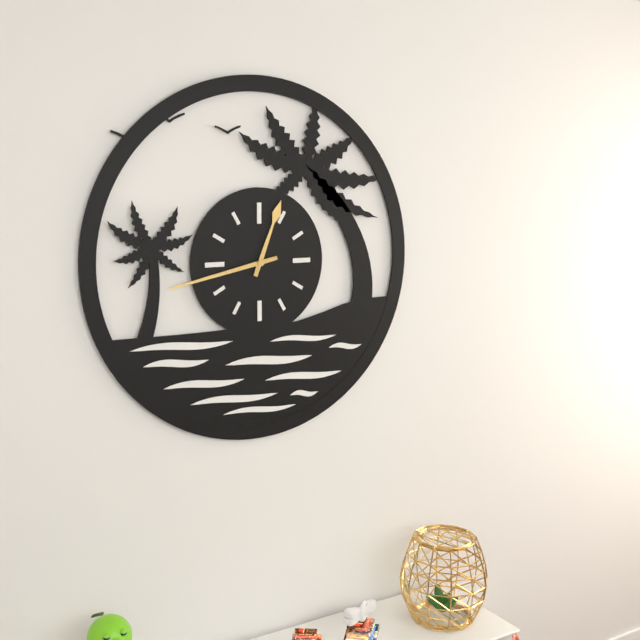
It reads 12:43
